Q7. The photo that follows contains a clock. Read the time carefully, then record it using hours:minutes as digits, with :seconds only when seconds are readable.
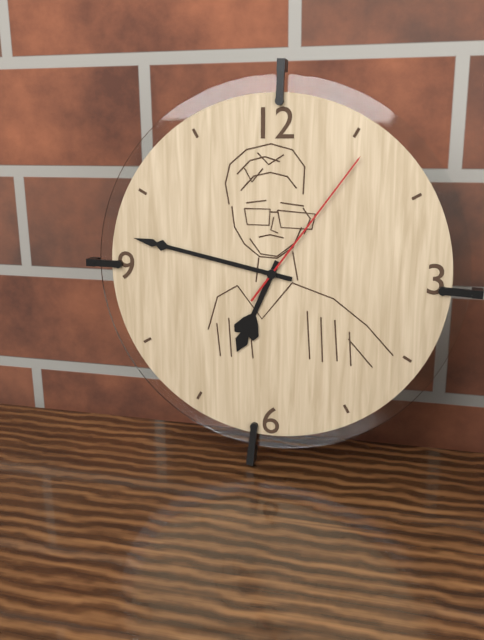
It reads 6:47:06
